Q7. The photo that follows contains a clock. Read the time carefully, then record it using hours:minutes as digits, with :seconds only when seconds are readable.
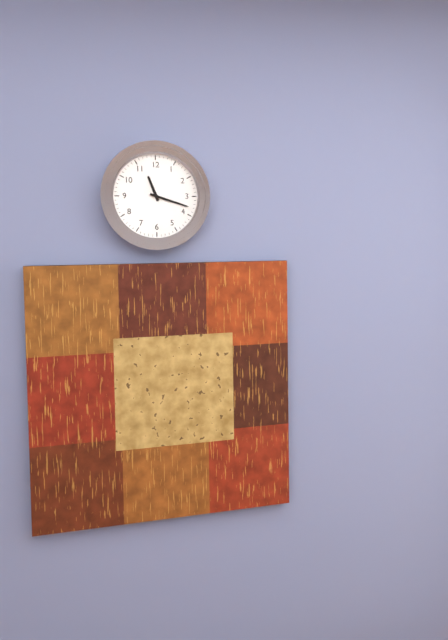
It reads 11:18
